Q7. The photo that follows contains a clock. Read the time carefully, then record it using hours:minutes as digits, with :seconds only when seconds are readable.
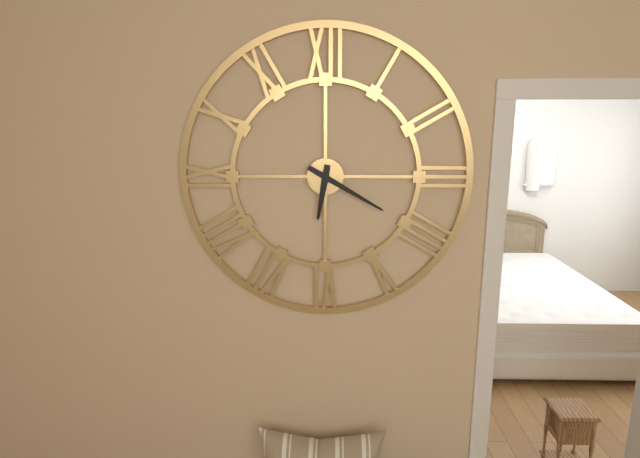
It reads 6:20
